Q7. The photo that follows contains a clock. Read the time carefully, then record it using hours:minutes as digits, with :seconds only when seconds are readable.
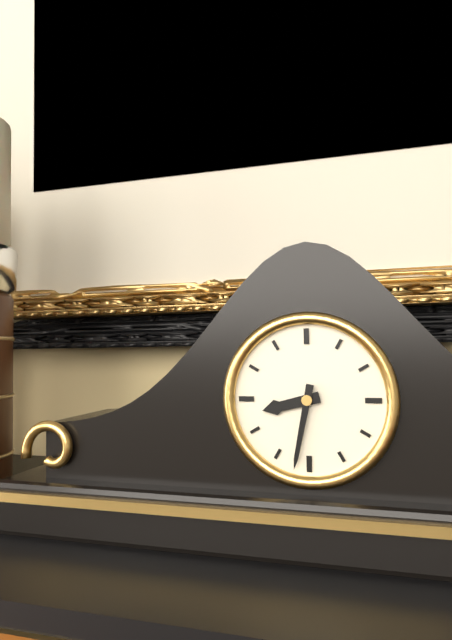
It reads 8:32
